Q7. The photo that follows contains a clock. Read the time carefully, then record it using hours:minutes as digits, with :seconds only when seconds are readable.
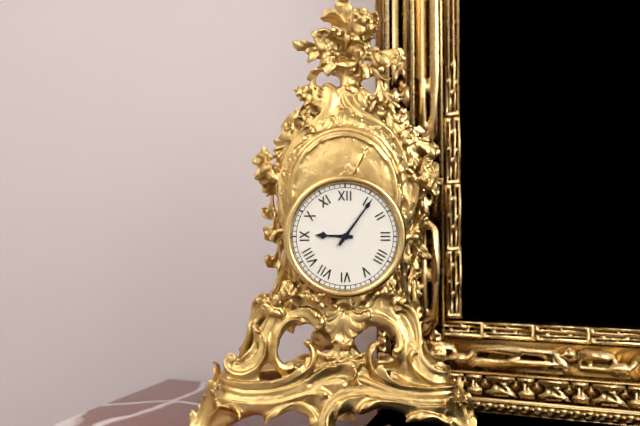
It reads 9:06
